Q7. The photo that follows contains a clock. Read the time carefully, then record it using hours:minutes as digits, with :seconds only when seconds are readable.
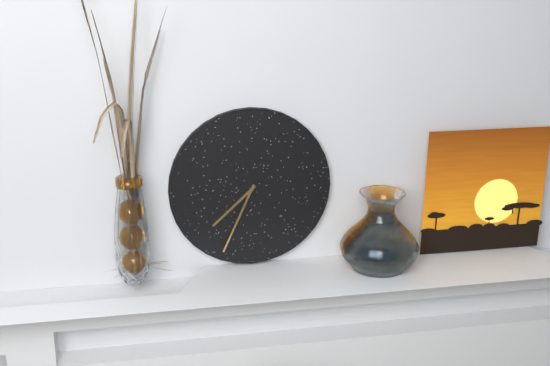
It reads 7:34
